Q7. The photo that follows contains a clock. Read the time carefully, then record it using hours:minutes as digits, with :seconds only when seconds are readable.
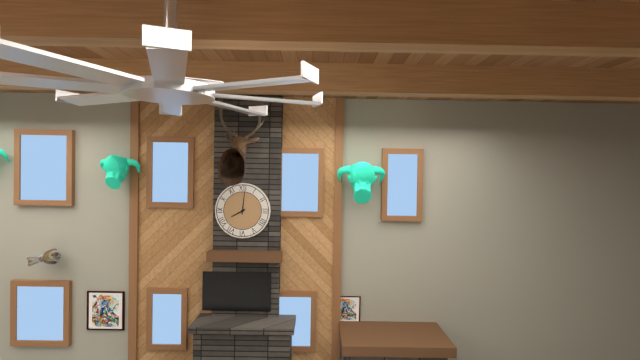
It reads 8:01
